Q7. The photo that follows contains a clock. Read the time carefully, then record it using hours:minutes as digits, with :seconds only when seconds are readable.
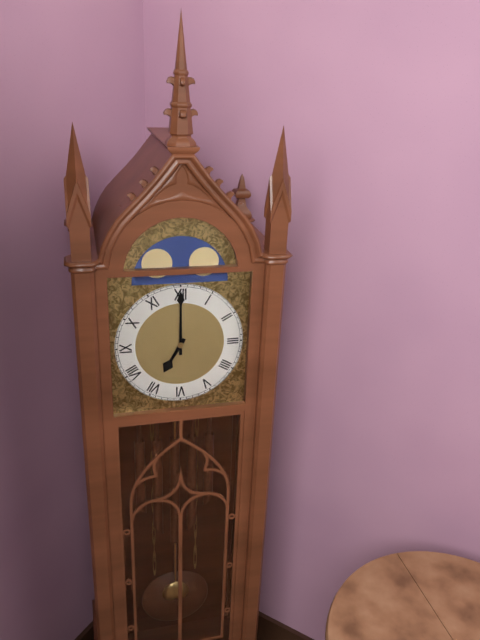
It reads 7:00
